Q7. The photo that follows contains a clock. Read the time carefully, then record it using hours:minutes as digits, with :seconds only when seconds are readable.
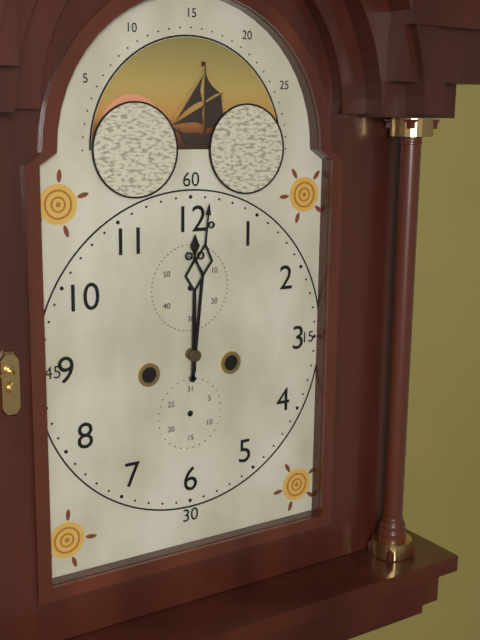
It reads 12:01
